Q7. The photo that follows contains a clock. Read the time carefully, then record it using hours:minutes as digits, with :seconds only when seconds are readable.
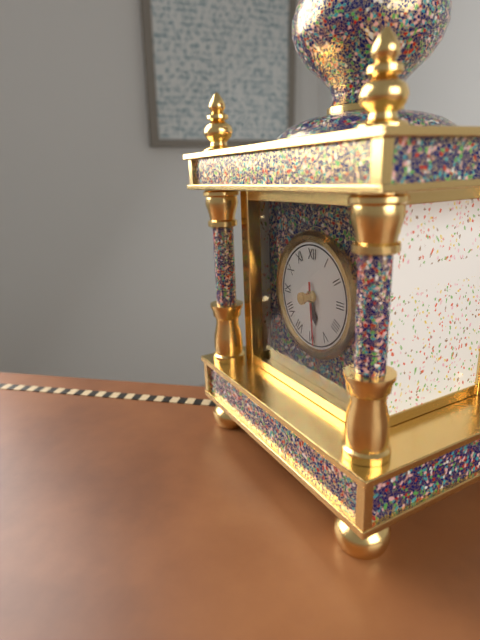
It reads 5:29
